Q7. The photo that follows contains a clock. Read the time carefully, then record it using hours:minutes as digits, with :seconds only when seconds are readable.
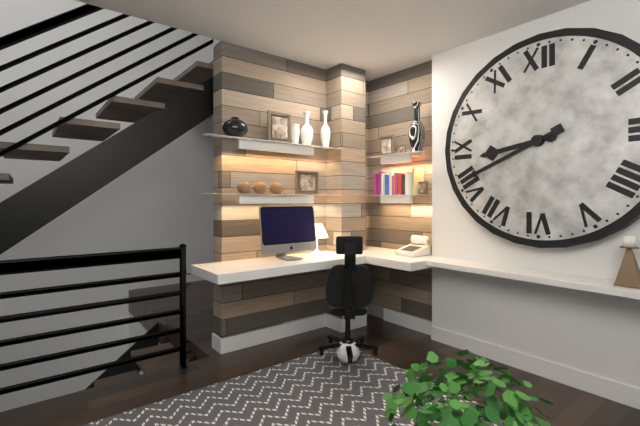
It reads 8:41
